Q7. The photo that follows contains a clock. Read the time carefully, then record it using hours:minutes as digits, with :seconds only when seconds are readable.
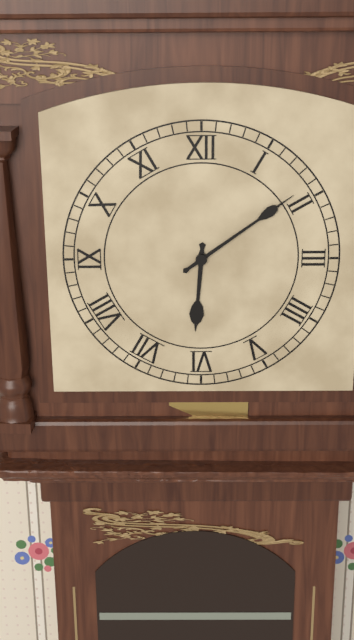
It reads 6:09
